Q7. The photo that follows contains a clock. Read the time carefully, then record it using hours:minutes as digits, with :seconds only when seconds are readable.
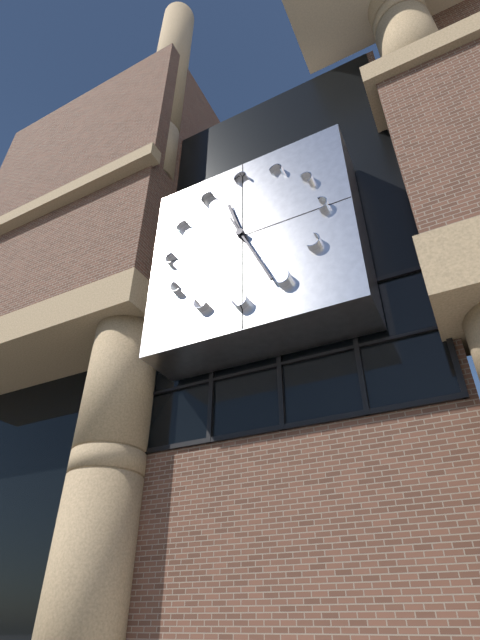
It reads 11:26
